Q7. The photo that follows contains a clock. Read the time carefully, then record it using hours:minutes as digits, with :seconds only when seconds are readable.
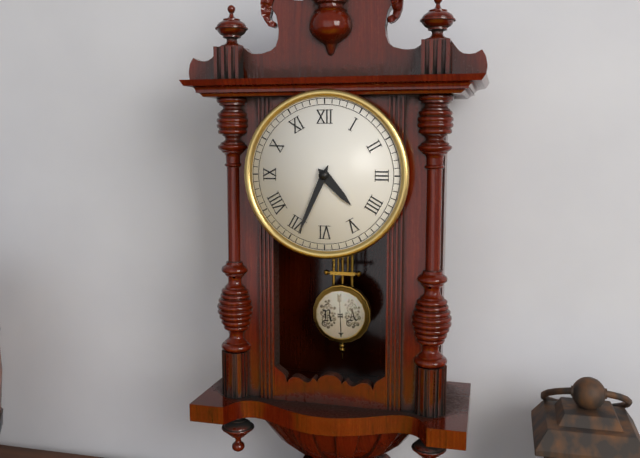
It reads 4:34
